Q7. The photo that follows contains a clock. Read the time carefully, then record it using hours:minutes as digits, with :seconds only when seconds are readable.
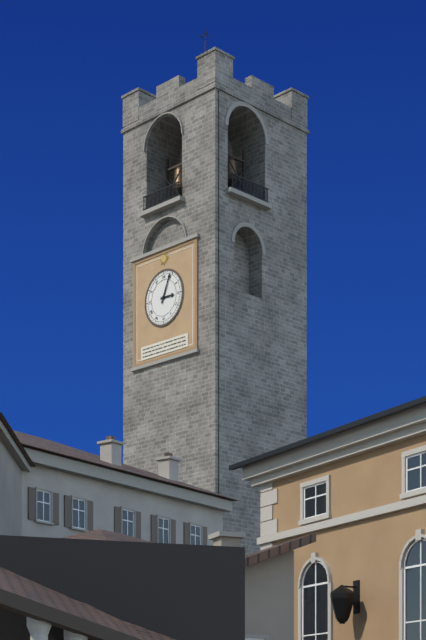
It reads 3:04
